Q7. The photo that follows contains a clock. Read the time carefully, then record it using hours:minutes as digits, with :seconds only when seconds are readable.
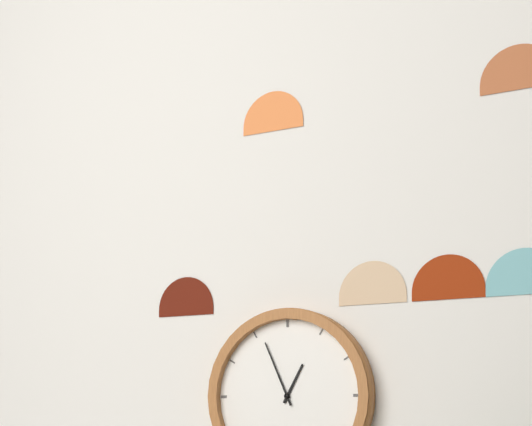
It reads 12:56
